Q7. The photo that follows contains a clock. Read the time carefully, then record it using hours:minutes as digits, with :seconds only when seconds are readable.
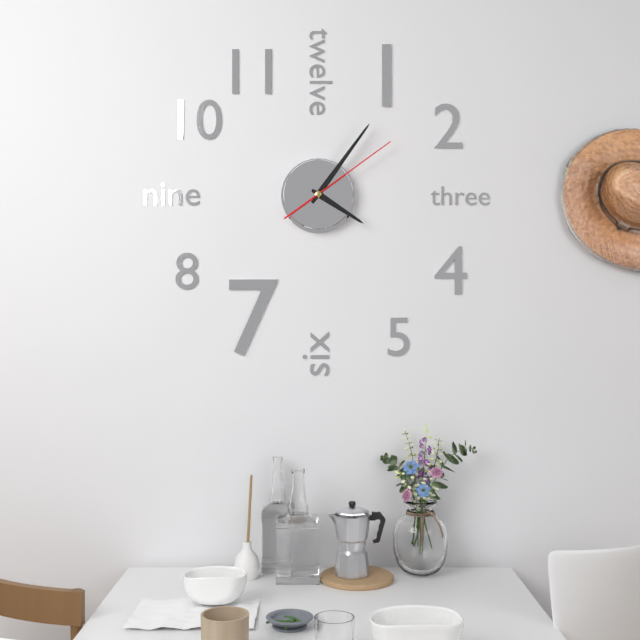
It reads 4:06:09
